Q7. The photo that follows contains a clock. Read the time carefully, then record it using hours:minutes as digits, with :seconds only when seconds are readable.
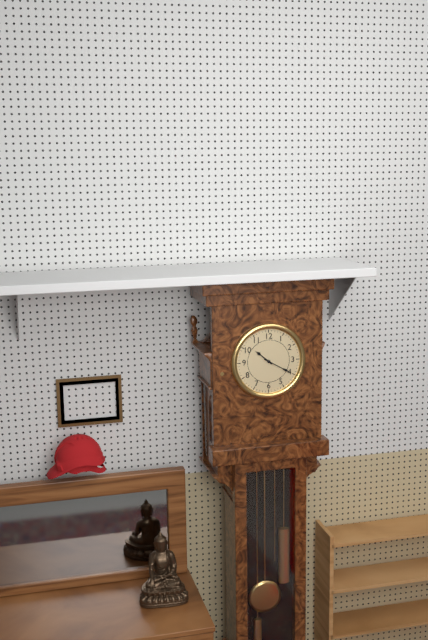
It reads 10:20
